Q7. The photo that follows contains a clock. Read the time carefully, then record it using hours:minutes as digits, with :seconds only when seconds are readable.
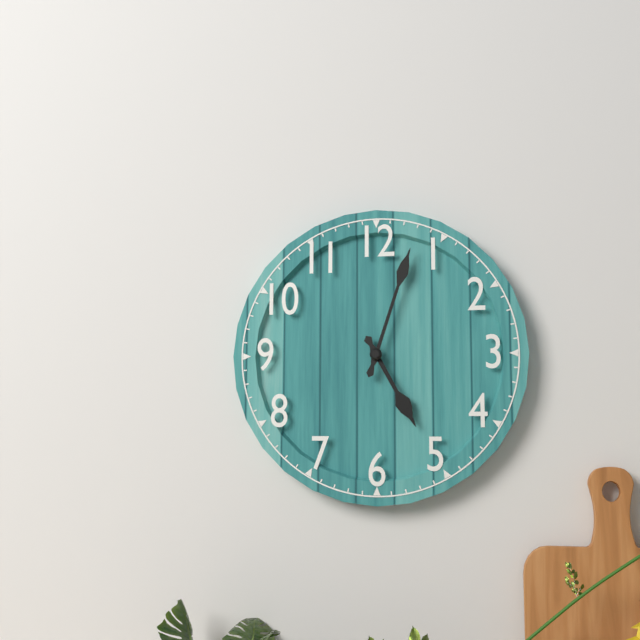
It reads 5:03
